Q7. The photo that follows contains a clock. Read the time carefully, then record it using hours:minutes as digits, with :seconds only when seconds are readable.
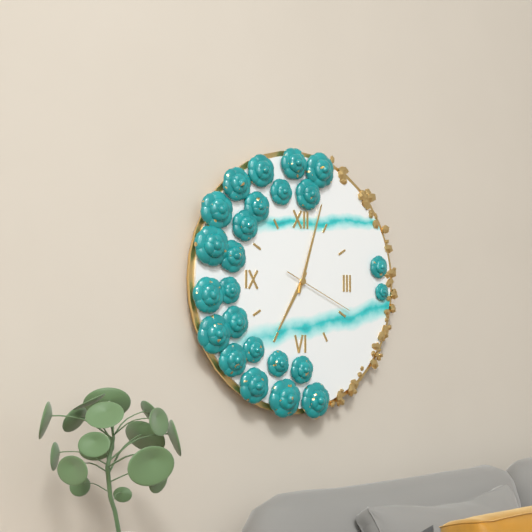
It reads 7:03:19
